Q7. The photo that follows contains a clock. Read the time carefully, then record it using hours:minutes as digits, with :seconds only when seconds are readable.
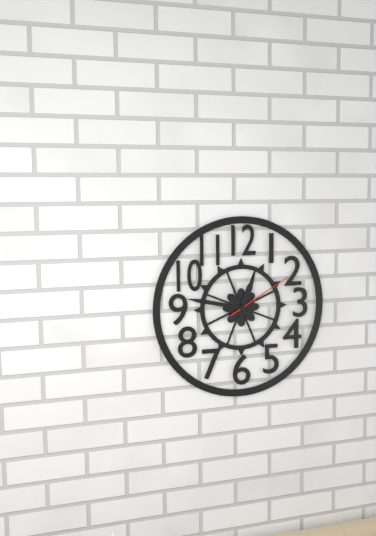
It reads 12:47:10
